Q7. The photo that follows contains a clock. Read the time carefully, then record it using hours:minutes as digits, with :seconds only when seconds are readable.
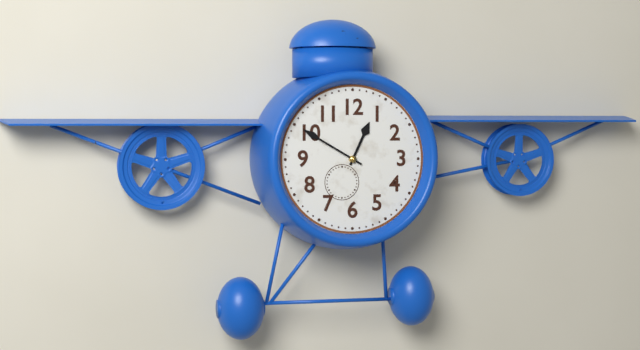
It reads 12:50
